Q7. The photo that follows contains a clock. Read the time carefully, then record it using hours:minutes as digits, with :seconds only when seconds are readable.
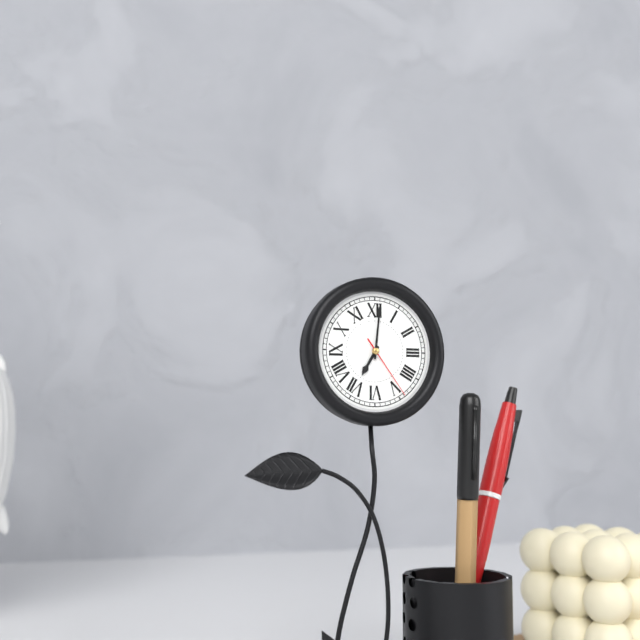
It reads 7:01:24
